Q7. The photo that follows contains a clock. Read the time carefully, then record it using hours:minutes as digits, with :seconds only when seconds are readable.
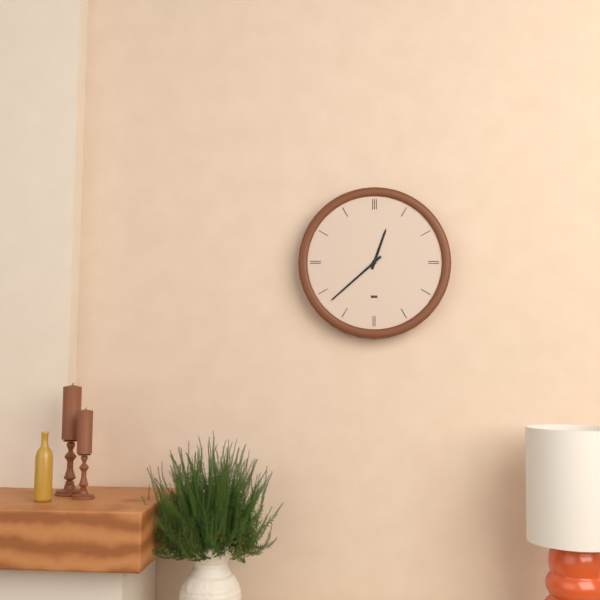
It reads 12:38
